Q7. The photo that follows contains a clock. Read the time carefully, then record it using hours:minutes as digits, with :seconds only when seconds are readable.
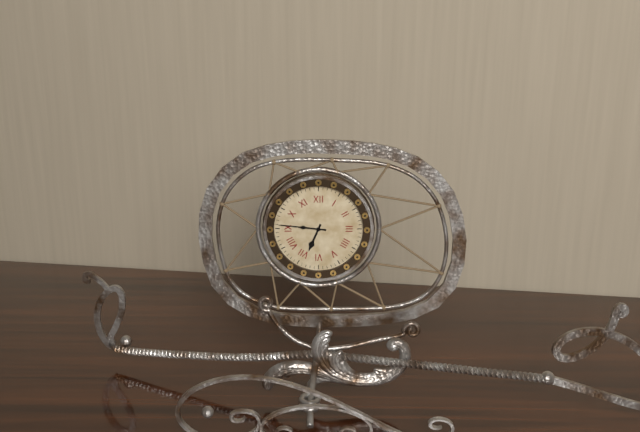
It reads 6:46
